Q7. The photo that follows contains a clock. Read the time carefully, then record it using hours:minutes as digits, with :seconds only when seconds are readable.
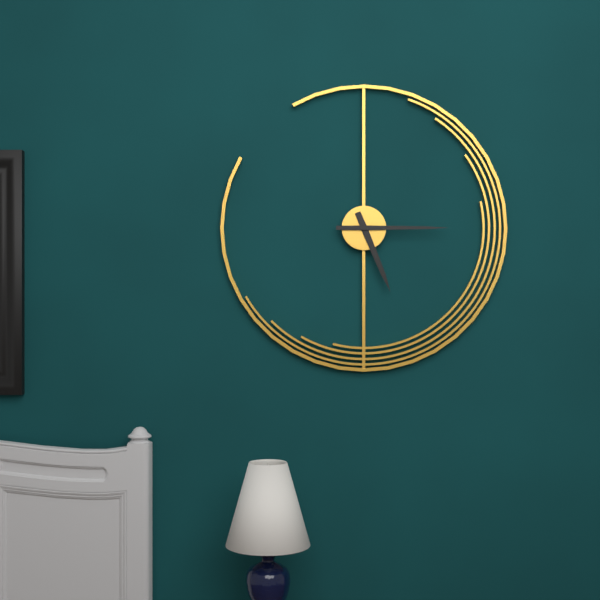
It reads 5:15
